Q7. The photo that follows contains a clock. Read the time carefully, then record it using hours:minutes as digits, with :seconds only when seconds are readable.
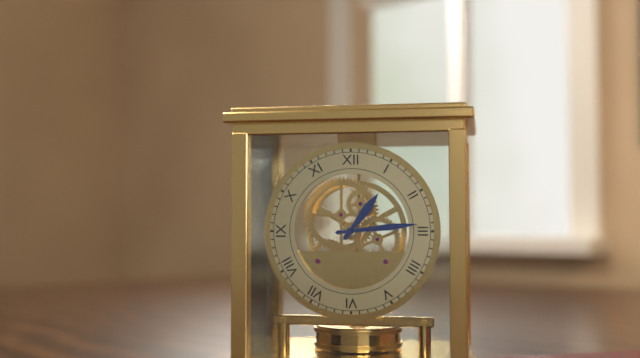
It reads 1:14
